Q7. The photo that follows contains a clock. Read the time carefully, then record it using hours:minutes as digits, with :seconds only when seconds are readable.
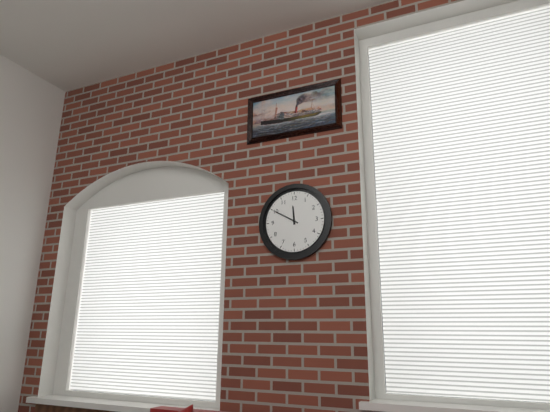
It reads 11:50
